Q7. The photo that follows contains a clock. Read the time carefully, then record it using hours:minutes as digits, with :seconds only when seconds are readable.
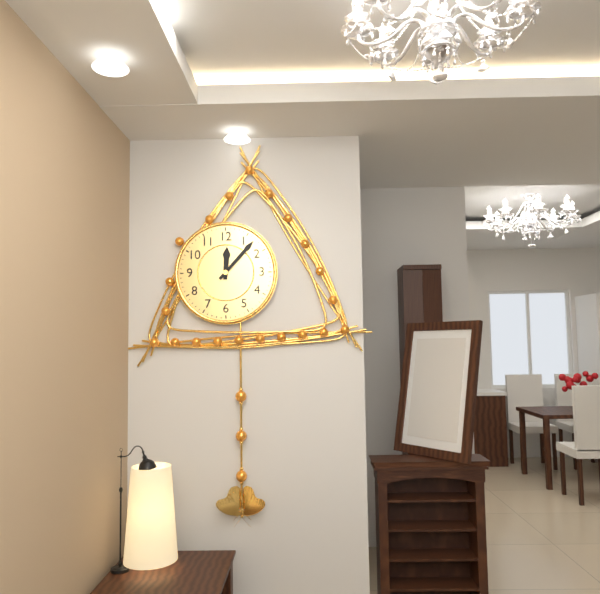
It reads 12:07
